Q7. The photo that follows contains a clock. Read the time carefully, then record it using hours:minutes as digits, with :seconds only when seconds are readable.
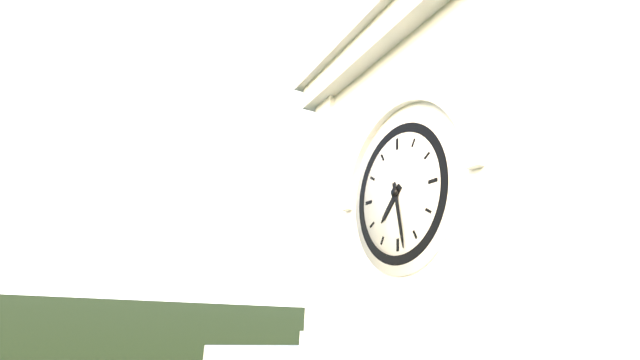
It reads 7:28
